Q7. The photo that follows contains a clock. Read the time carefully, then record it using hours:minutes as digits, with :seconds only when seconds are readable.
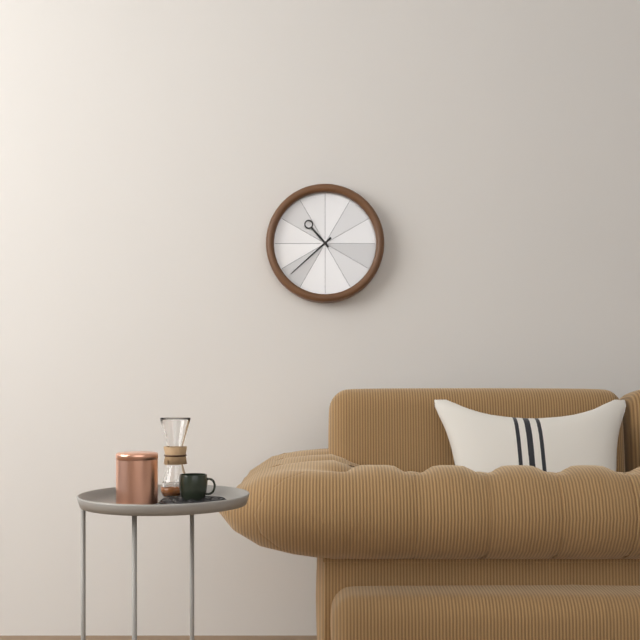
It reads 10:38
